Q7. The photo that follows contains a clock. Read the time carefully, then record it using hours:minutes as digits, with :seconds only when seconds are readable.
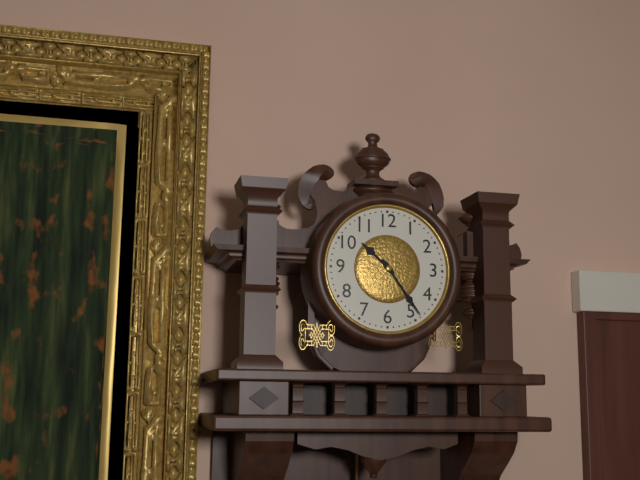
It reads 10:24
